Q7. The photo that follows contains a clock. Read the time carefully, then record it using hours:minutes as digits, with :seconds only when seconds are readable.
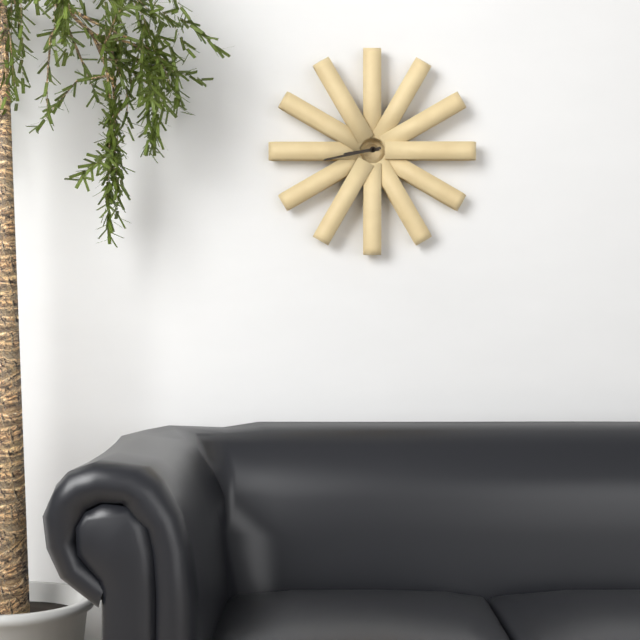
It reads 8:43
